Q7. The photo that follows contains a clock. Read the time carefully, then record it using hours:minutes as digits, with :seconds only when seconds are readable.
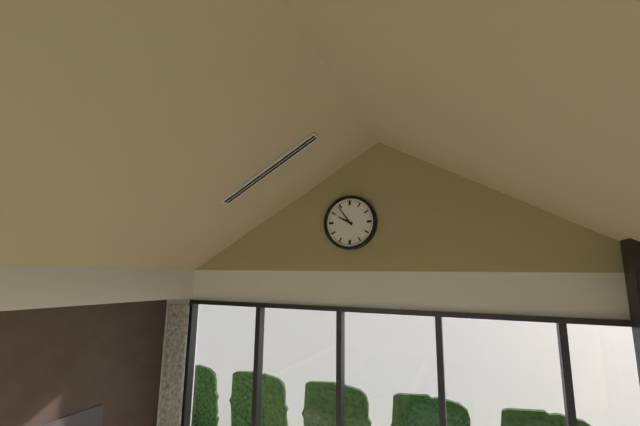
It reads 9:54
